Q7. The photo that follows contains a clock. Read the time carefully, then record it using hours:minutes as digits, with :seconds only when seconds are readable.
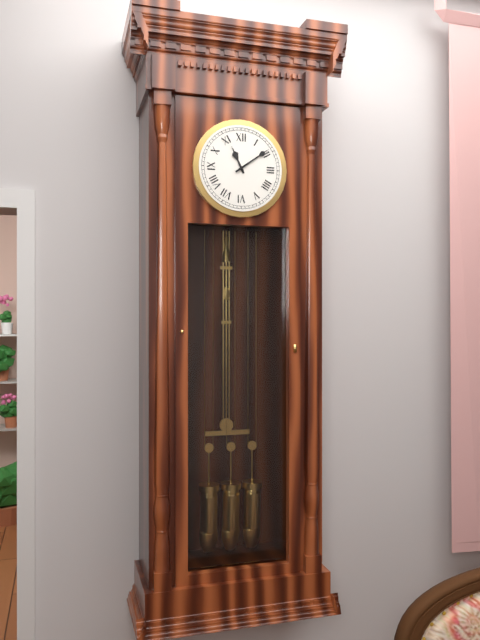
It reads 11:09
